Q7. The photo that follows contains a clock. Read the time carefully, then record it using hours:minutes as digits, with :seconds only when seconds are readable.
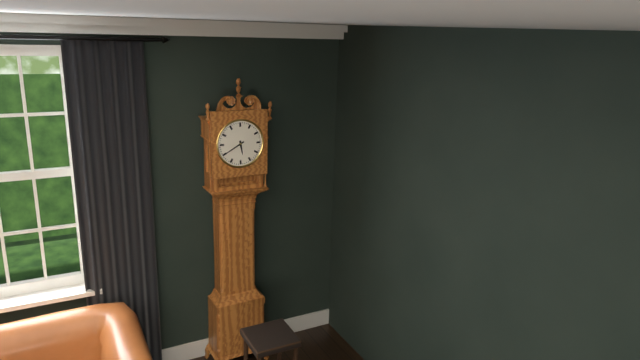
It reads 5:40
